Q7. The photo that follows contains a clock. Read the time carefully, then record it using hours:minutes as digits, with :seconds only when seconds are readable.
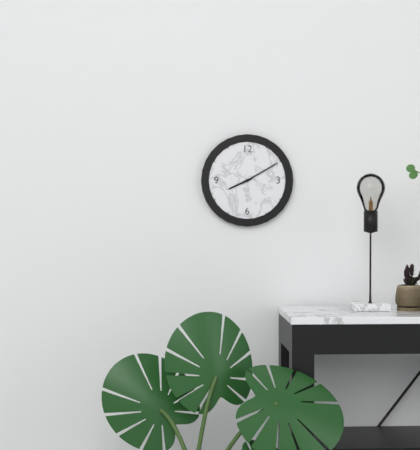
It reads 8:10
